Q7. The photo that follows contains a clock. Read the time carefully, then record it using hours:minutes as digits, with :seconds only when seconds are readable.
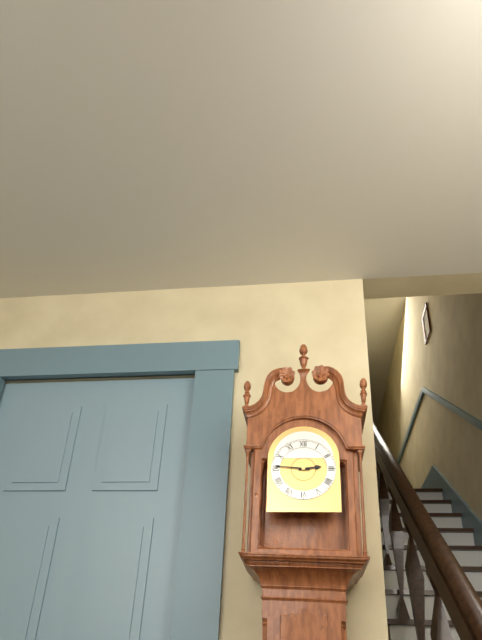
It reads 2:46
